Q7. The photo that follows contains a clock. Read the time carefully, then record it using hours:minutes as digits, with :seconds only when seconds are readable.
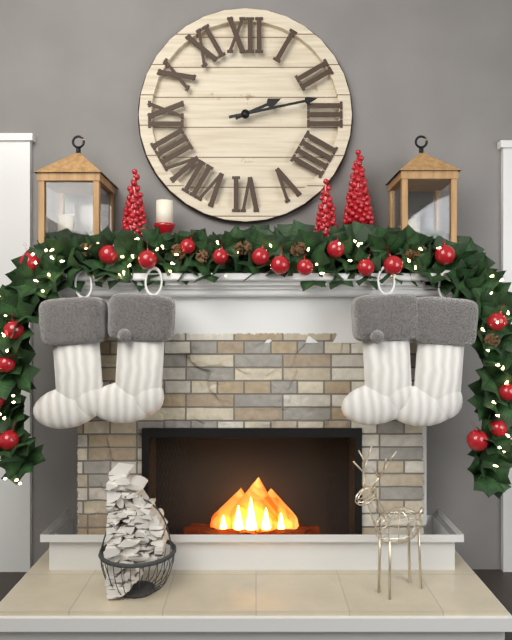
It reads 2:13
